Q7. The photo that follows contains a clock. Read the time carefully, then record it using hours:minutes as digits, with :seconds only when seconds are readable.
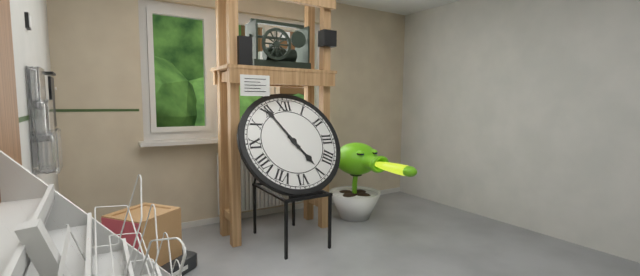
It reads 4:55
